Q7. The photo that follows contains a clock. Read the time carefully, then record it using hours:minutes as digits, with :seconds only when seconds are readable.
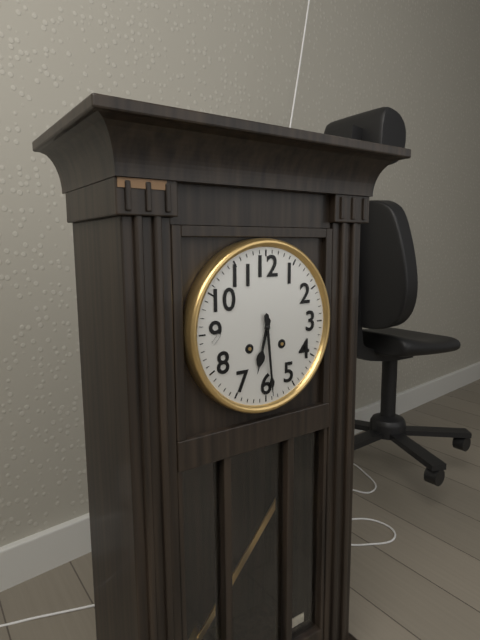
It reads 6:29
